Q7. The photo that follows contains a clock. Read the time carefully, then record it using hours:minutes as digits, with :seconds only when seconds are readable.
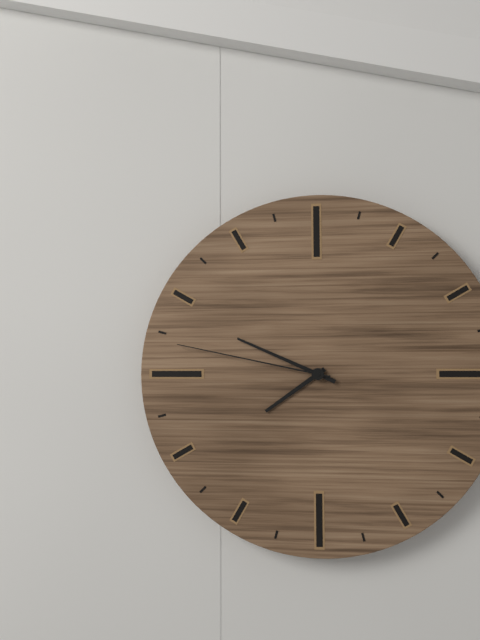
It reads 7:49:47
